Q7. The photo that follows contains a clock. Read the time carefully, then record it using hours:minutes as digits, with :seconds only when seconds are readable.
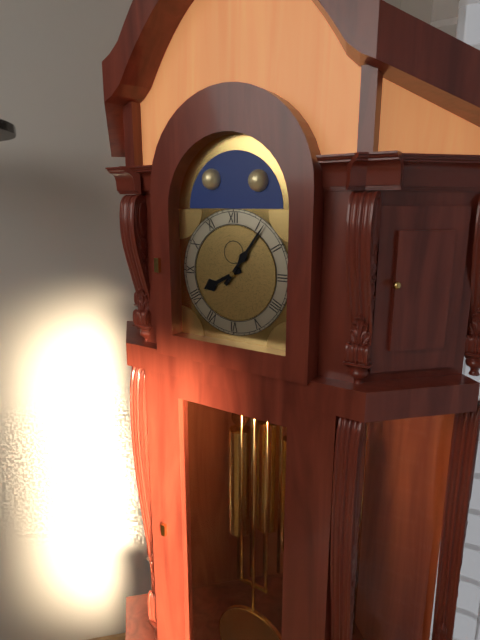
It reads 8:06
